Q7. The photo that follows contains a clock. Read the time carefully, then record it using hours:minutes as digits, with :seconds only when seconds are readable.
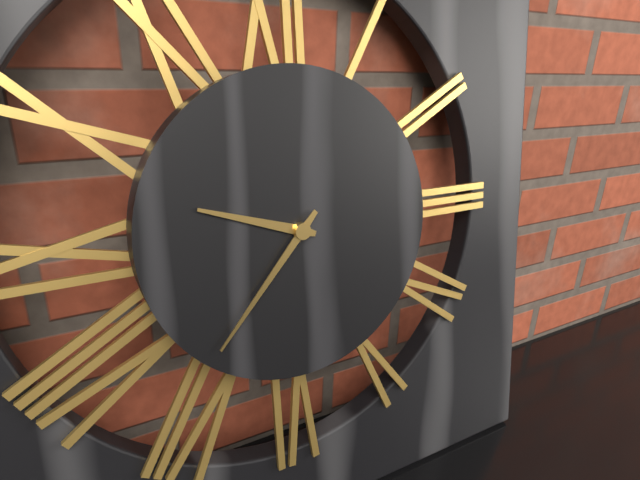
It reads 9:37
